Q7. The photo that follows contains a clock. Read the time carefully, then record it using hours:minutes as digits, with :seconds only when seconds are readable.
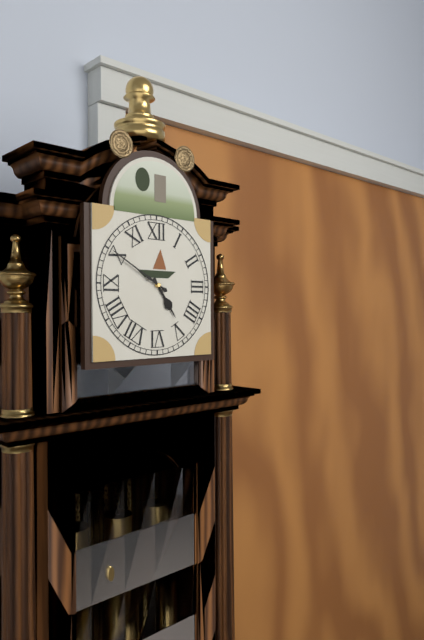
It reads 4:50
